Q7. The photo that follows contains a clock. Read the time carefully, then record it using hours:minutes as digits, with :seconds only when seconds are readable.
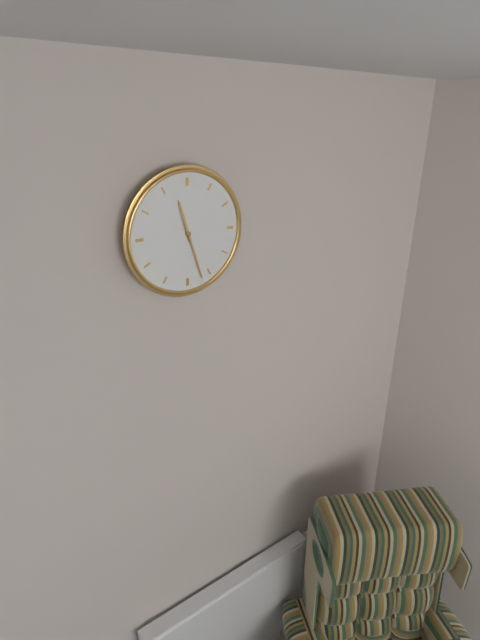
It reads 11:27
